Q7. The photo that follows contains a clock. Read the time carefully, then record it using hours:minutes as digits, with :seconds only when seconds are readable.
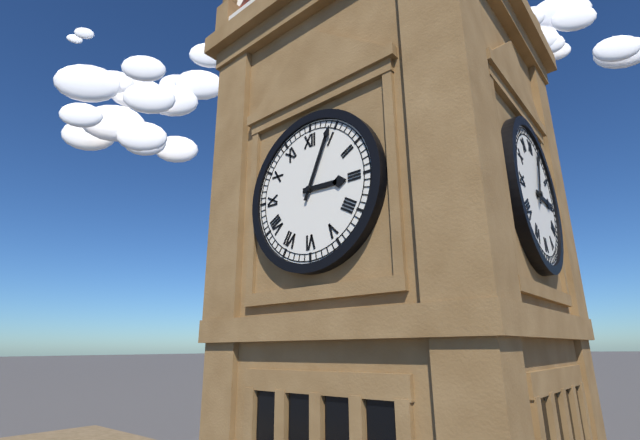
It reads 3:04
